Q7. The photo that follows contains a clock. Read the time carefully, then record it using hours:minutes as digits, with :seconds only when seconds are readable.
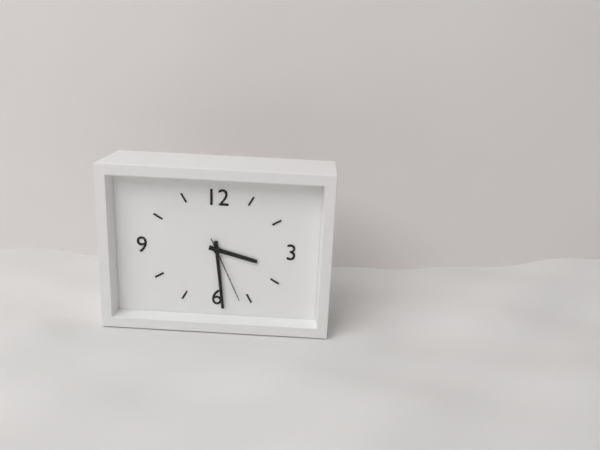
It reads 3:29:26
